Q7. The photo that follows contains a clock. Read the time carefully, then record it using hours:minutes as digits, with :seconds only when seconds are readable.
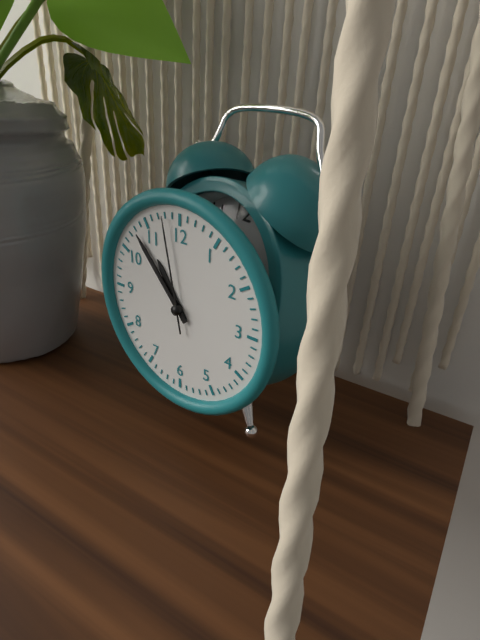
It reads 10:53:58
